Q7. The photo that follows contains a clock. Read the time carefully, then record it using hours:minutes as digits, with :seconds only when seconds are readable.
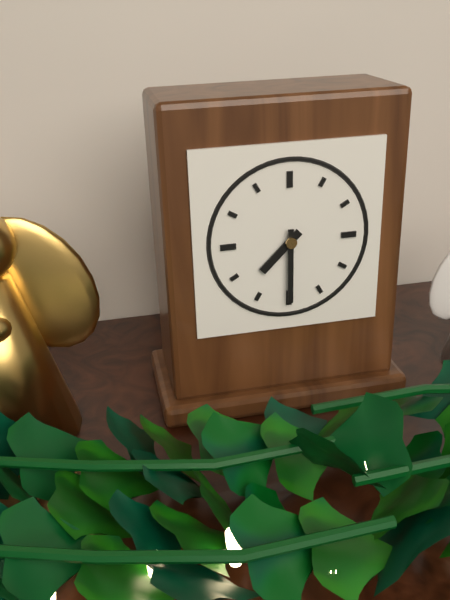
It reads 7:30
